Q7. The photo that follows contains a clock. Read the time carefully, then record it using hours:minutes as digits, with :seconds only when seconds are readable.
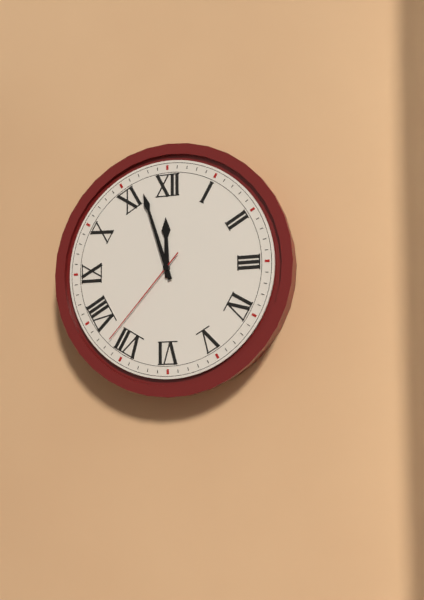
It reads 11:57:37
